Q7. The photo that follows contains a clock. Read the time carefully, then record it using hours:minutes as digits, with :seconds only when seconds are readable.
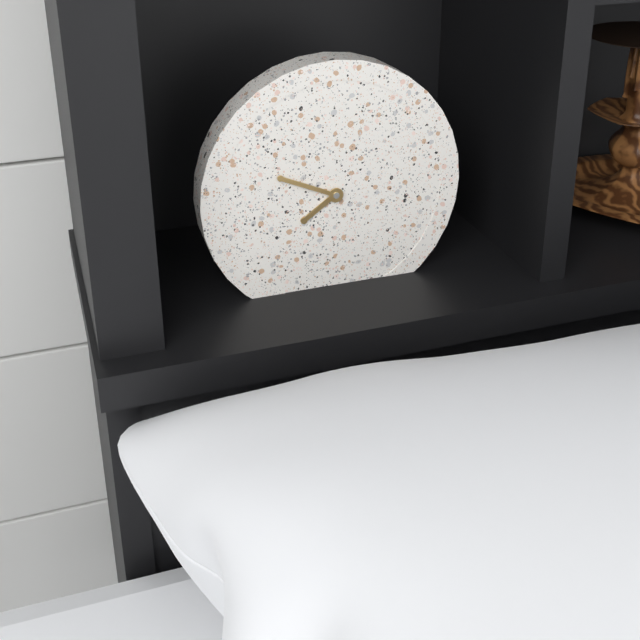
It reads 7:49
